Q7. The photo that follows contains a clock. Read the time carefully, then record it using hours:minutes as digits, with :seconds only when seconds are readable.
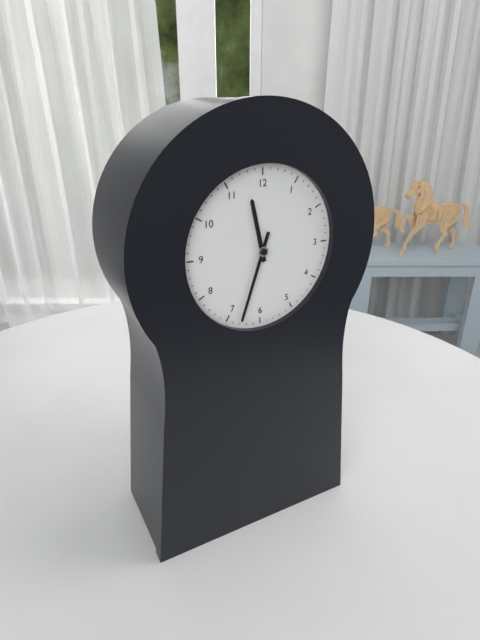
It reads 11:33
